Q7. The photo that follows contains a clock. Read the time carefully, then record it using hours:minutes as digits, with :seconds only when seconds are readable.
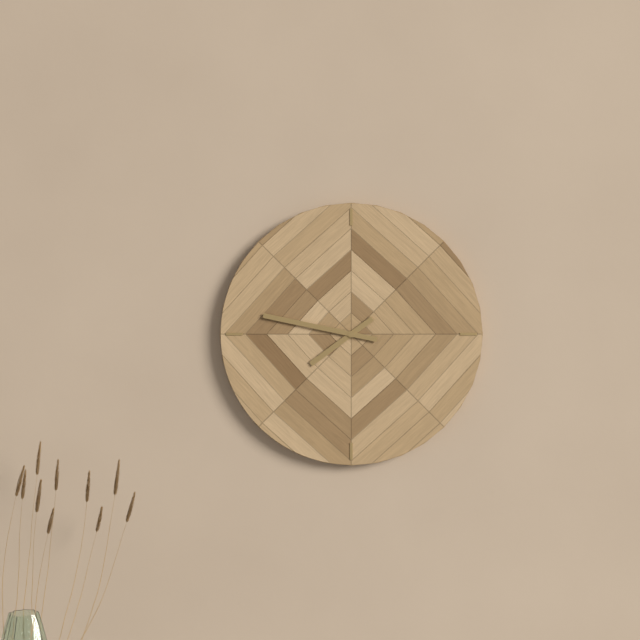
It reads 7:47
